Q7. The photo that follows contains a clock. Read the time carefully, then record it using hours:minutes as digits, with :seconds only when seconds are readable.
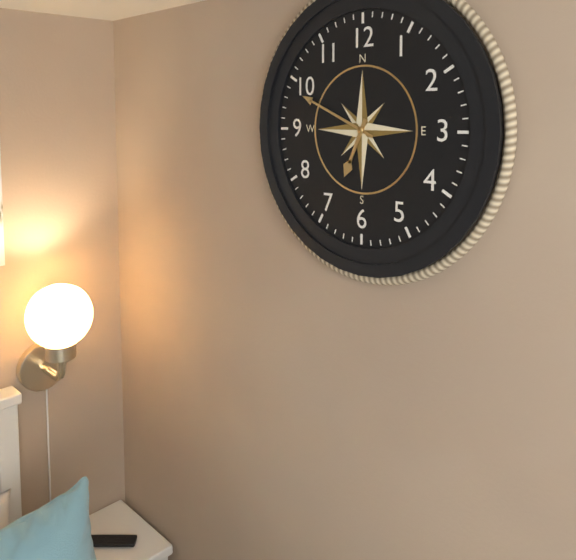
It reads 6:49
